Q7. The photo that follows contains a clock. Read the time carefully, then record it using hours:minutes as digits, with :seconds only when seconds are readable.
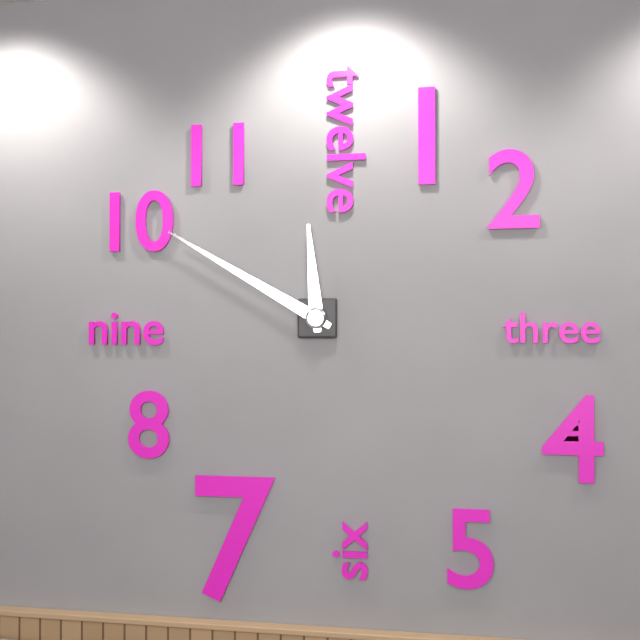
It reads 11:50
